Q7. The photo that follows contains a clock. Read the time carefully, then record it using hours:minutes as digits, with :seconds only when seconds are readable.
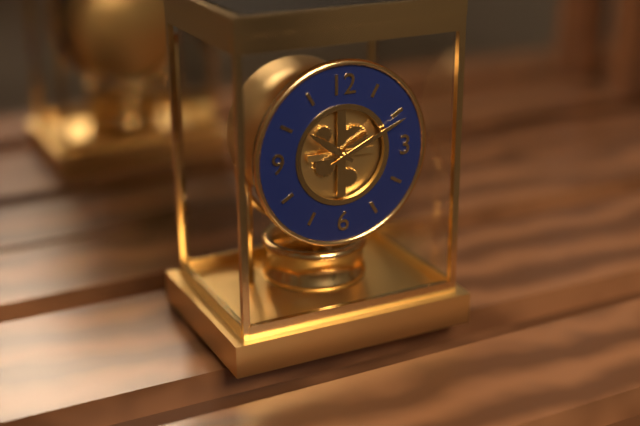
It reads 10:11
